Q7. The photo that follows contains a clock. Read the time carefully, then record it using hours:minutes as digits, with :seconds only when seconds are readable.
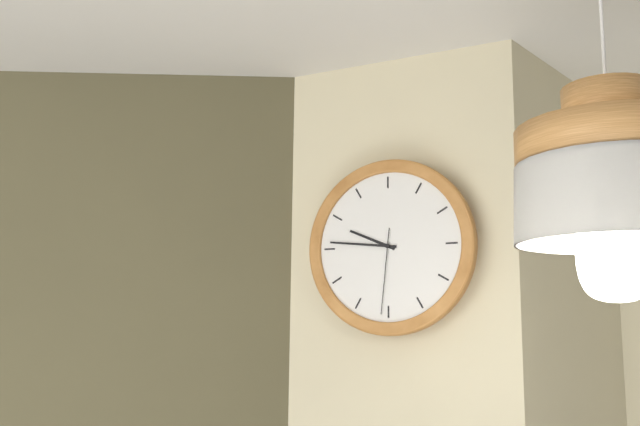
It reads 9:46:31
